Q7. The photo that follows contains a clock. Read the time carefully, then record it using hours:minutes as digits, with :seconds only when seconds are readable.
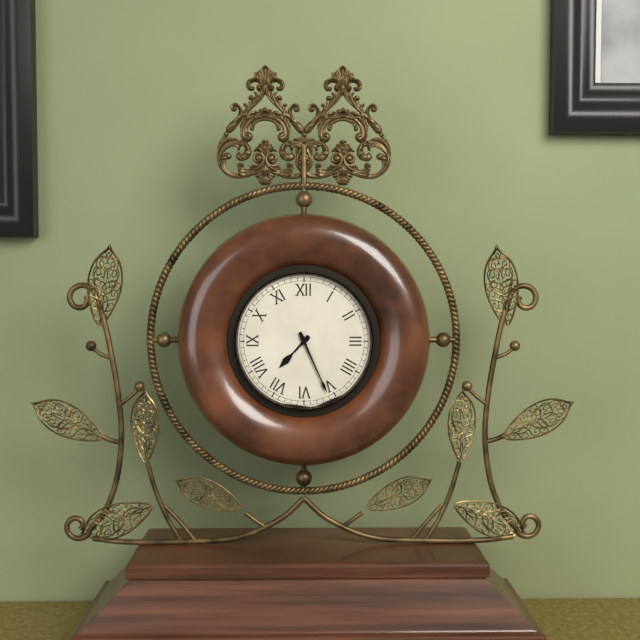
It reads 7:26
